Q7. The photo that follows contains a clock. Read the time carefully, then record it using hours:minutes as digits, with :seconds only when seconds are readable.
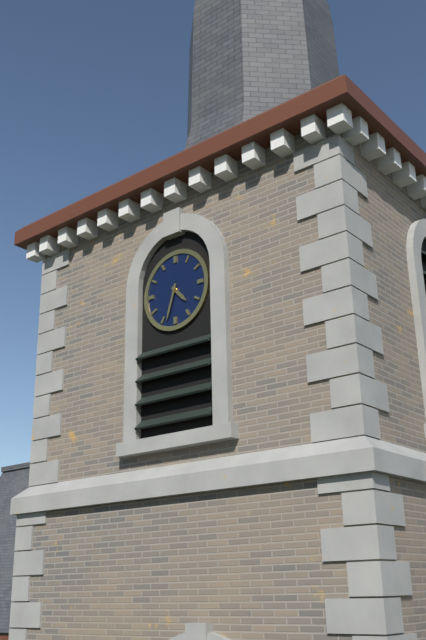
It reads 4:33
